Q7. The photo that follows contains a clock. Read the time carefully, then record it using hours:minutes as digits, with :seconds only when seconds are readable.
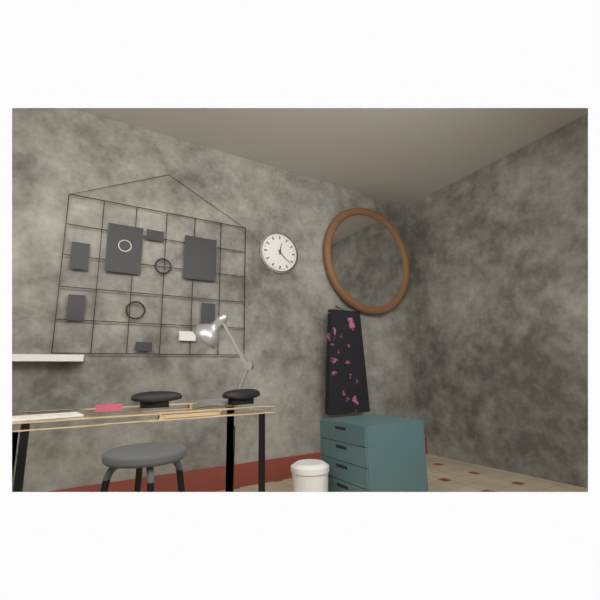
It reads 12:22
